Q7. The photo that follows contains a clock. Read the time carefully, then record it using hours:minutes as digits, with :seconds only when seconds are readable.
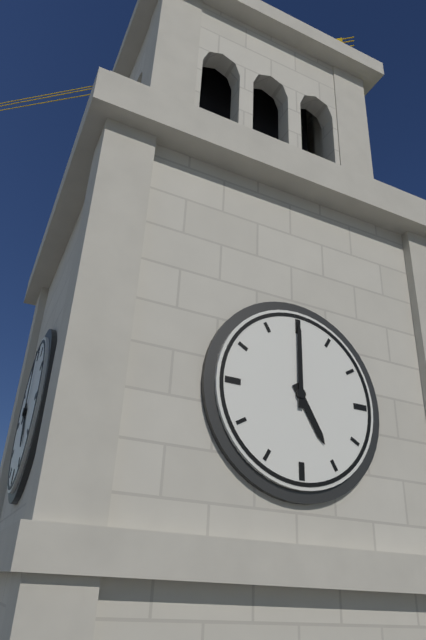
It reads 5:00
